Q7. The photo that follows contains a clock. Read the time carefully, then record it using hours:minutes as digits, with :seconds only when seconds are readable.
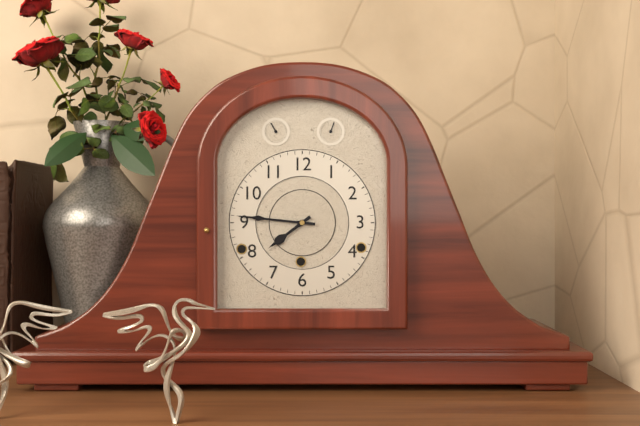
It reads 7:46
